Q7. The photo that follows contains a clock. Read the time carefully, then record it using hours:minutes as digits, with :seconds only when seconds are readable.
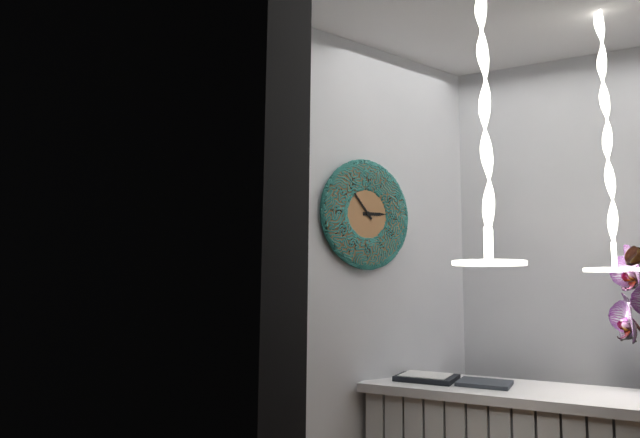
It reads 2:53
